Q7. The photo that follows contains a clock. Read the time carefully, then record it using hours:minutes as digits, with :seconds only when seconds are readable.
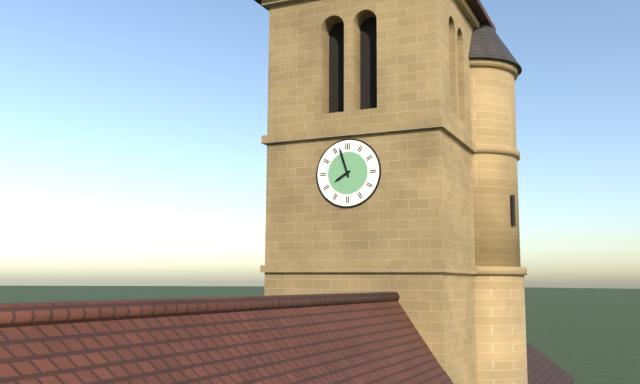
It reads 7:57
